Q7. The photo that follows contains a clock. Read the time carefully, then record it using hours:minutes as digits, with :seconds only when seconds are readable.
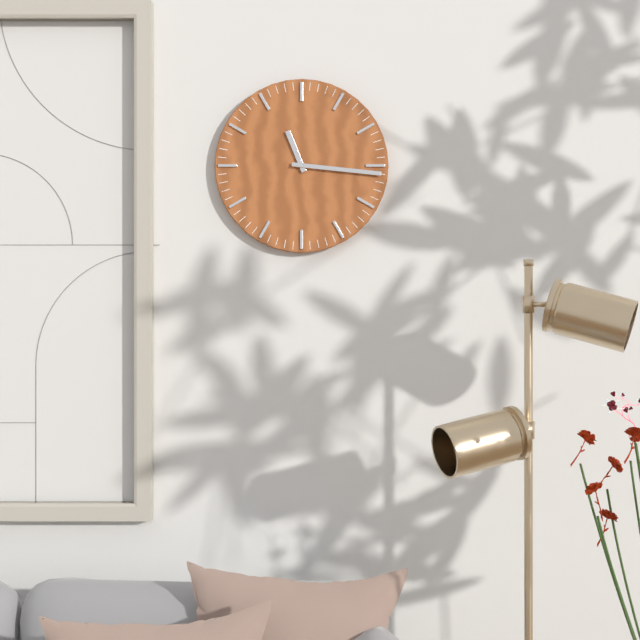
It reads 11:16
